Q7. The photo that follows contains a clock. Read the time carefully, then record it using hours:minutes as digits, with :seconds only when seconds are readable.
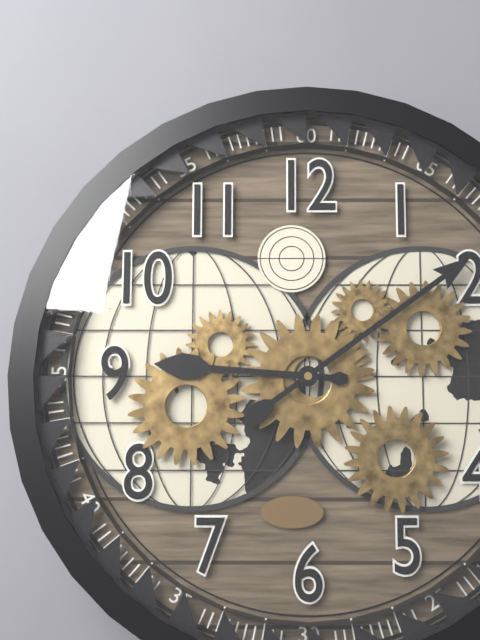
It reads 9:09
